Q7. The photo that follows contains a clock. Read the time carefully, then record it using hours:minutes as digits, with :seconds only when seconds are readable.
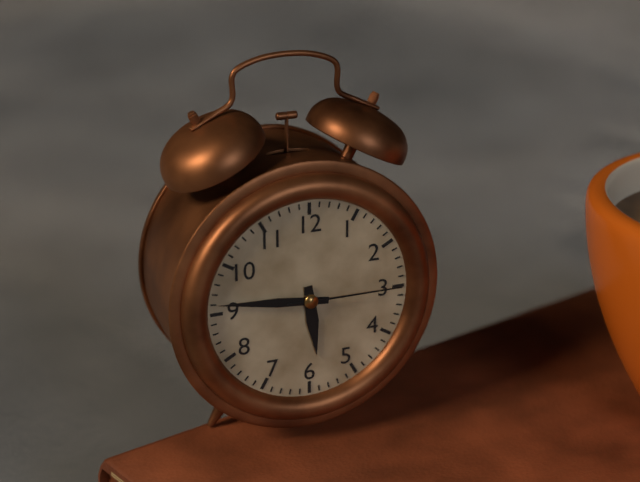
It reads 5:46:15
